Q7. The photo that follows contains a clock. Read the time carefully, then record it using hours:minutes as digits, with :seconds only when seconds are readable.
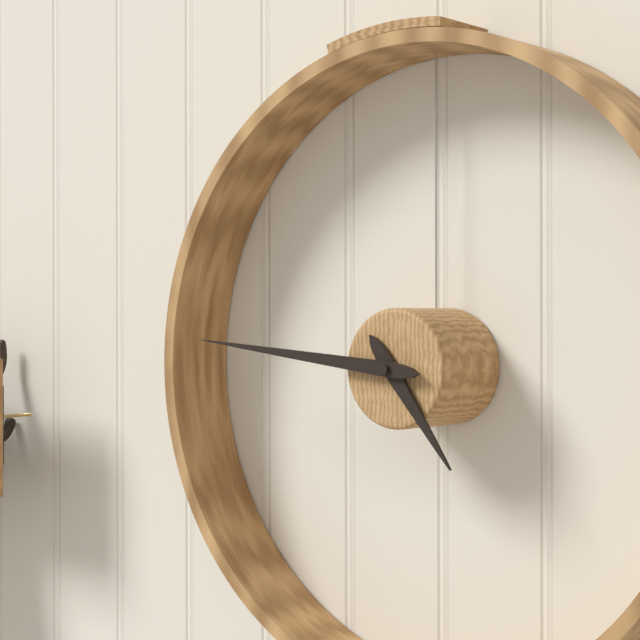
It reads 4:46
